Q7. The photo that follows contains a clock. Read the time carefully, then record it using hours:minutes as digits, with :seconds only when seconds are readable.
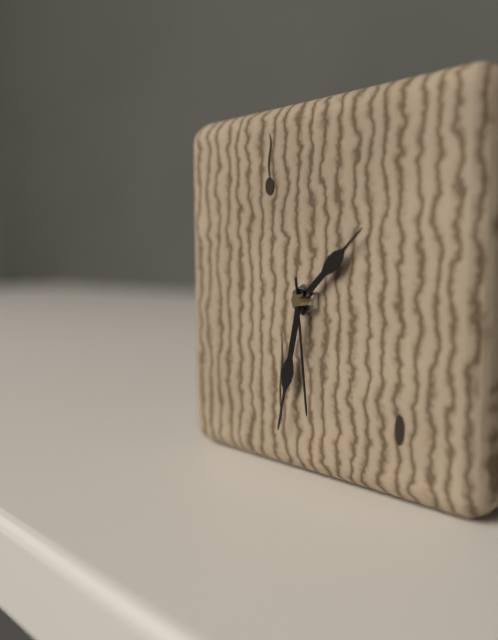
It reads 1:32:29
